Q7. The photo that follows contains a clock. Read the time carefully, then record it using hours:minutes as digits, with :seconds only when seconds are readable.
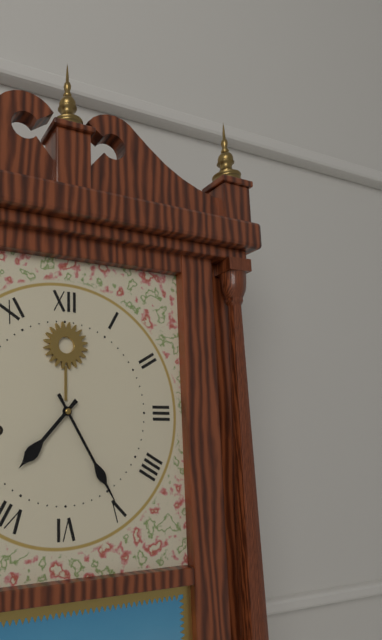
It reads 7:25
